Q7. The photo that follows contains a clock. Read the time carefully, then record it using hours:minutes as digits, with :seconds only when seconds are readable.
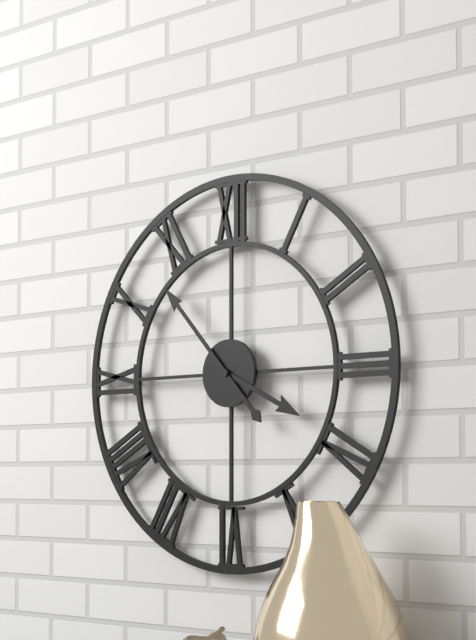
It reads 3:53
